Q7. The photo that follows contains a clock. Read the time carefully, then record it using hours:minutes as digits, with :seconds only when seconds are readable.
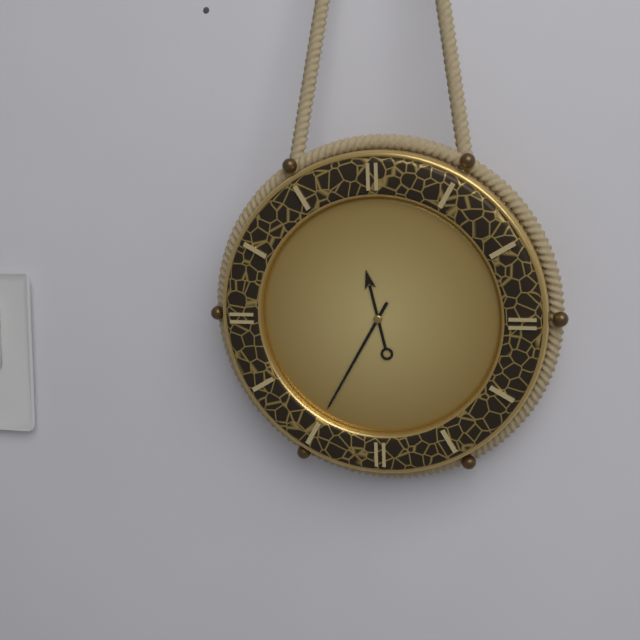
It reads 11:35
